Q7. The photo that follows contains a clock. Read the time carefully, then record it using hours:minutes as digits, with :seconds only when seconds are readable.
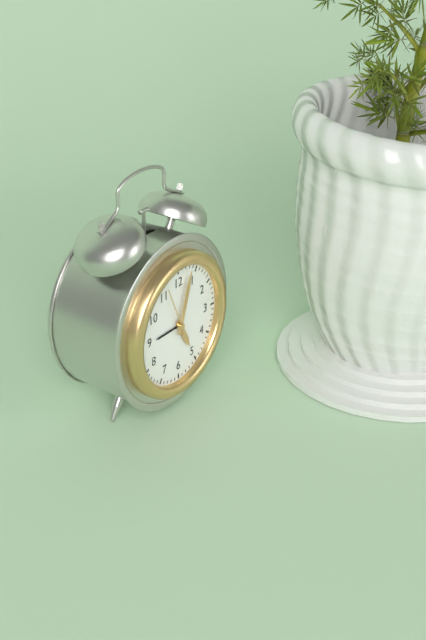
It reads 5:03
